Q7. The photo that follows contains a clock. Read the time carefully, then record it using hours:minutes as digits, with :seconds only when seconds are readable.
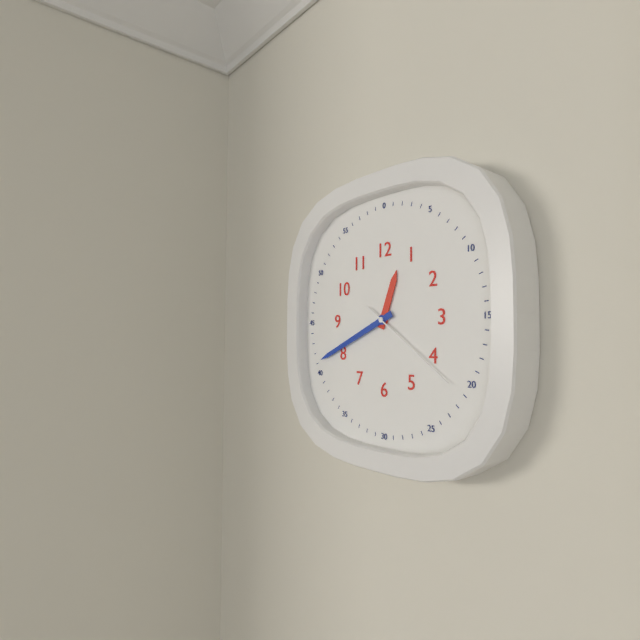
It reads 12:41:21
